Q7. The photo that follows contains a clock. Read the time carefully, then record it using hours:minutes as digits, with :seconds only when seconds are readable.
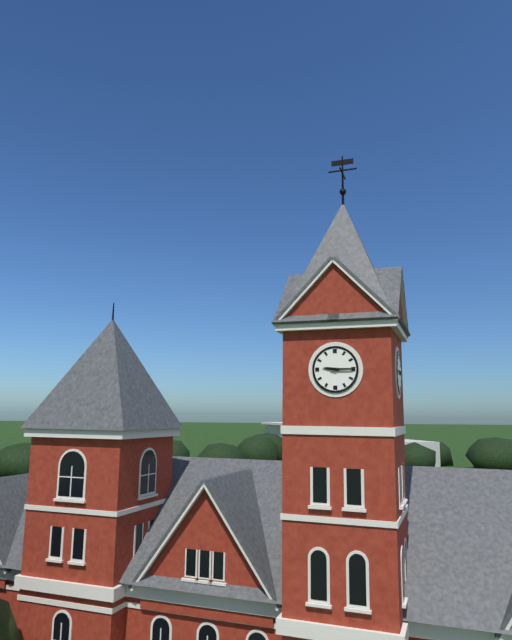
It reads 9:15
